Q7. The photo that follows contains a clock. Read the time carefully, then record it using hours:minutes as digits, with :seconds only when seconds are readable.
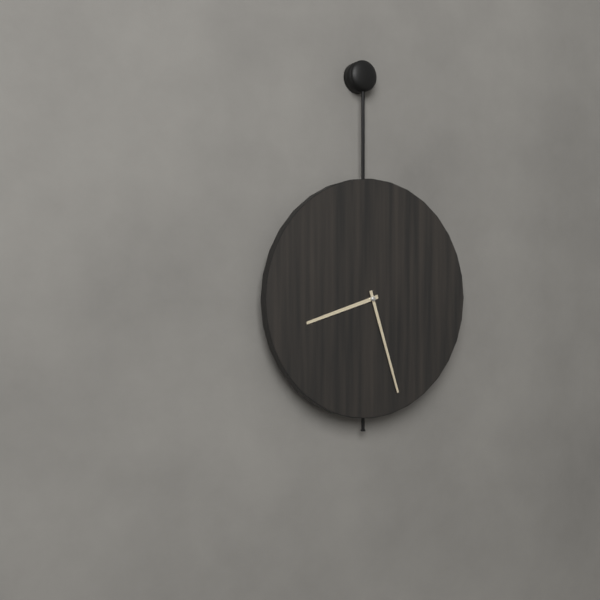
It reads 8:27
